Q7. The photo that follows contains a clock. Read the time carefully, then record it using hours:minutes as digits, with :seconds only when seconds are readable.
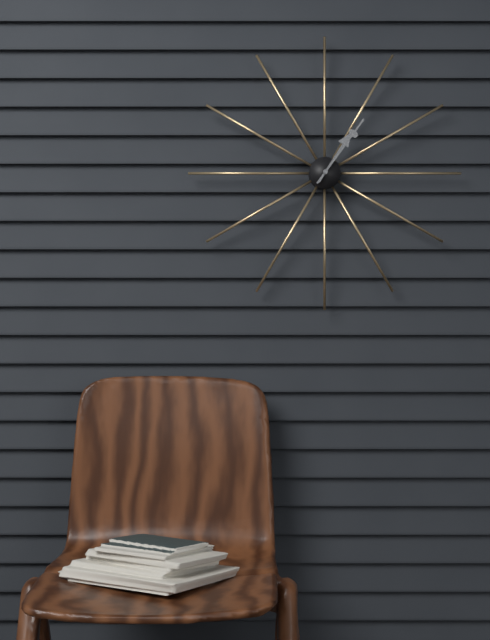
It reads 1:06
